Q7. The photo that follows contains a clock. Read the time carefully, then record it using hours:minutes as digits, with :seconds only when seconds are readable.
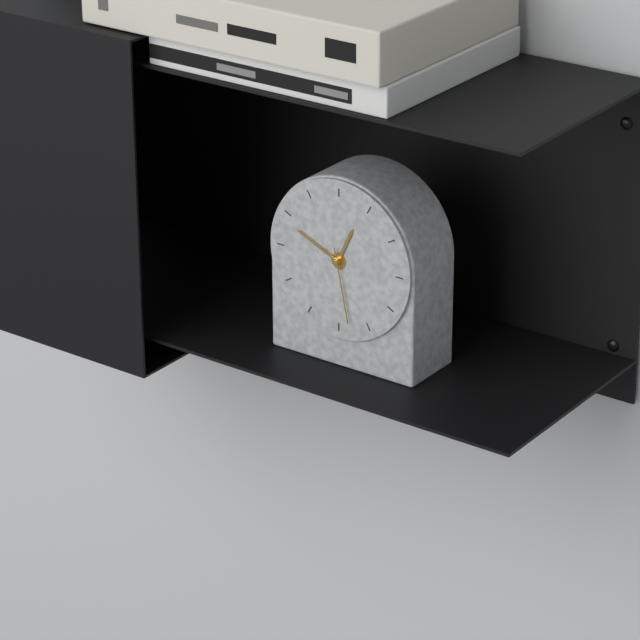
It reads 12:49:28
